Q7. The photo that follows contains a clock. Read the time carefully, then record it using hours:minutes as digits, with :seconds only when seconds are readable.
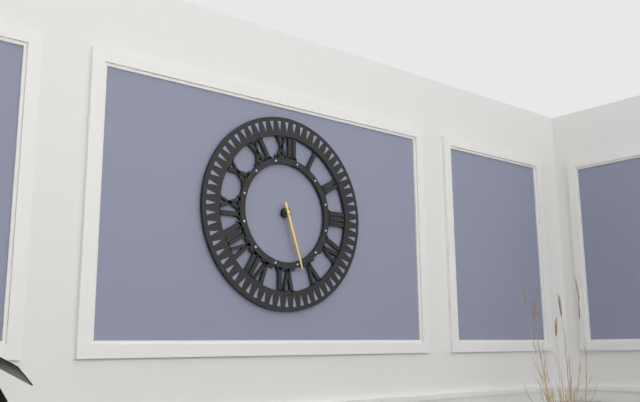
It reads 5:27
